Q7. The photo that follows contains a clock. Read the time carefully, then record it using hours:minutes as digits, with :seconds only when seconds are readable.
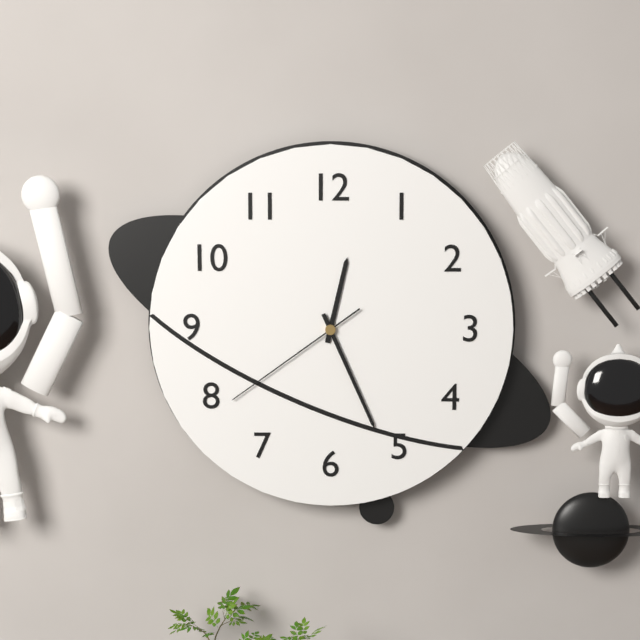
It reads 12:26:39
